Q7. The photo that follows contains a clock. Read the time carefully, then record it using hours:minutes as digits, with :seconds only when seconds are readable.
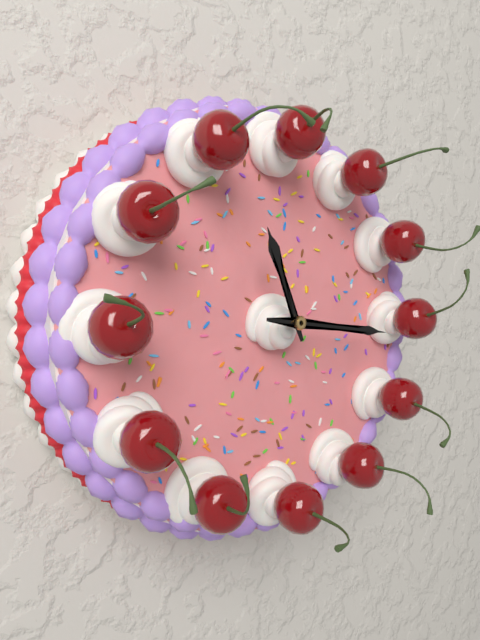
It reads 11:16
